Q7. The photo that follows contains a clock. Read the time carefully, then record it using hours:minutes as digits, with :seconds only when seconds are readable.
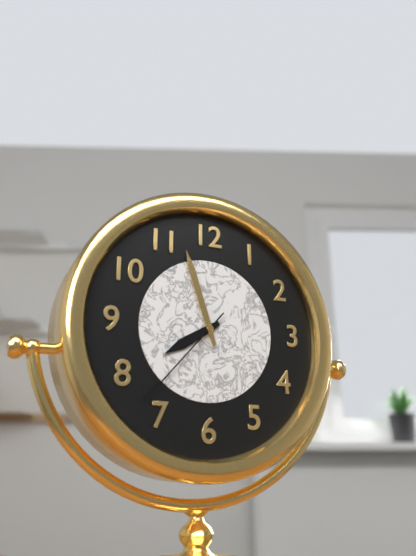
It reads 7:57:37
